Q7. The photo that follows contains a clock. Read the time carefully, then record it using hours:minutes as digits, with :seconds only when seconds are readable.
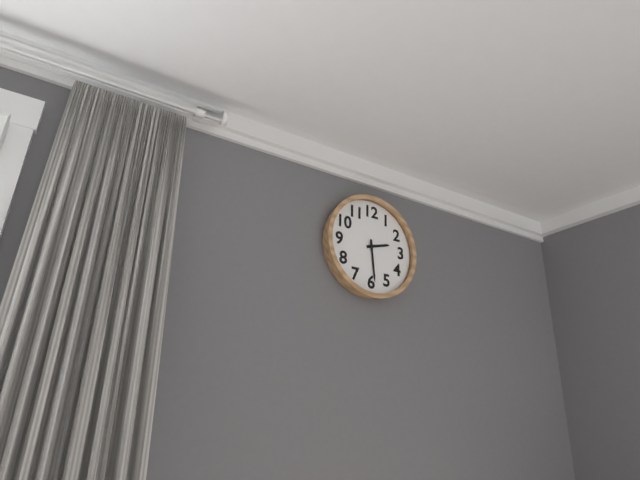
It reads 2:29
